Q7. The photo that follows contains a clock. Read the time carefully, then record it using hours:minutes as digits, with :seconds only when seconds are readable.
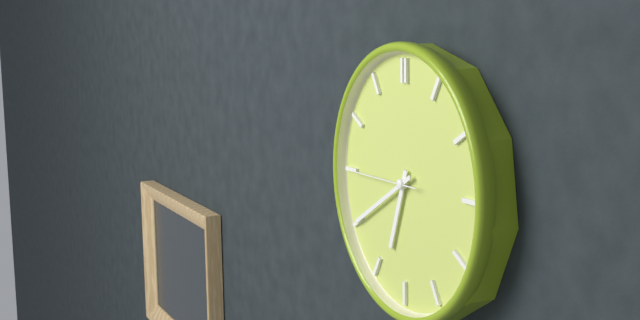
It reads 6:40:45
